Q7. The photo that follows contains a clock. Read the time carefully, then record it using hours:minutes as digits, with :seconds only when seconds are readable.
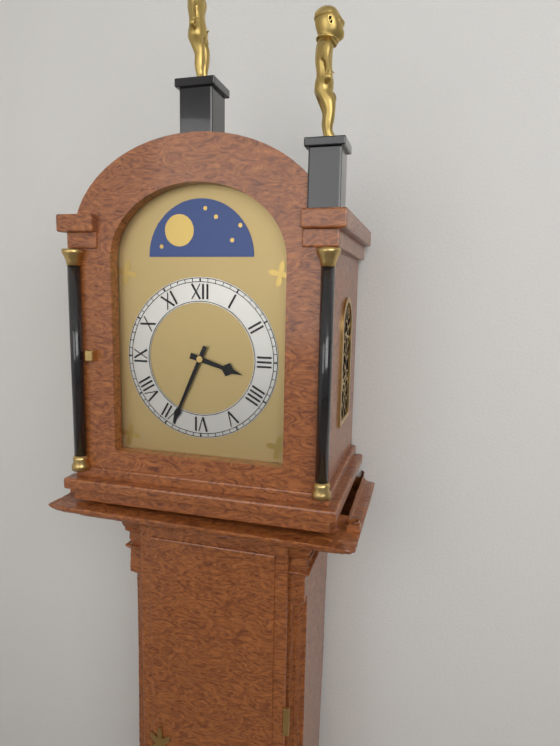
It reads 3:34
